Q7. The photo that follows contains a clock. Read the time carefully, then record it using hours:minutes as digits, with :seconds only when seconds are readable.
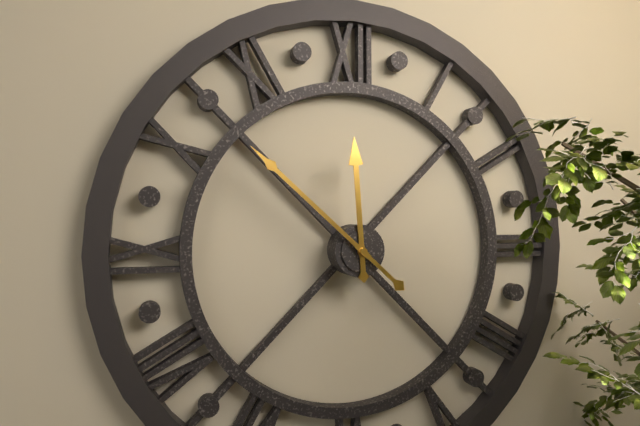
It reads 11:52
